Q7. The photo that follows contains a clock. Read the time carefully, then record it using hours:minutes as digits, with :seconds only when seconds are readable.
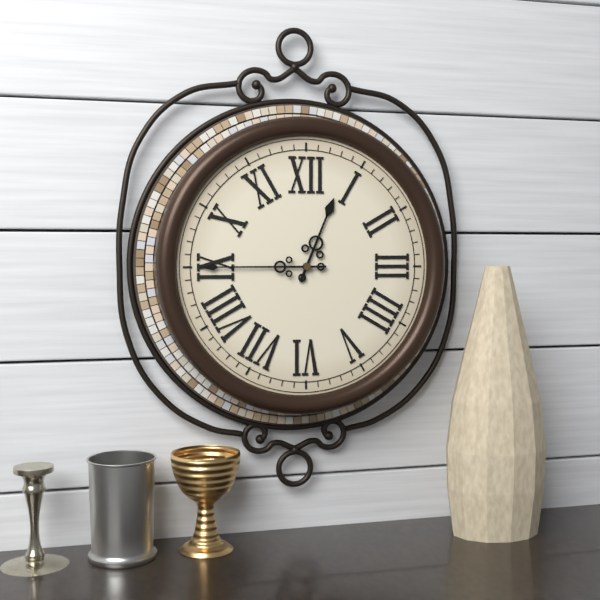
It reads 12:45
